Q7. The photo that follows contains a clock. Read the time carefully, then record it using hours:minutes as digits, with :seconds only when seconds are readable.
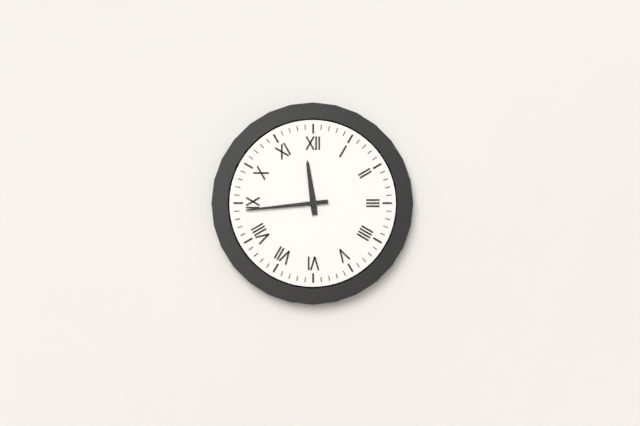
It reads 11:44
